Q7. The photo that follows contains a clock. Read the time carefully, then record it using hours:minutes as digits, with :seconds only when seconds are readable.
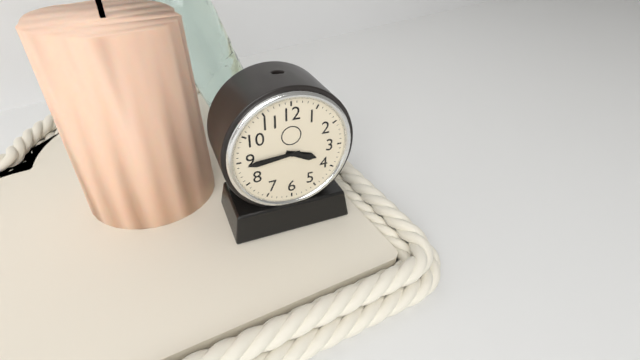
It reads 3:44
